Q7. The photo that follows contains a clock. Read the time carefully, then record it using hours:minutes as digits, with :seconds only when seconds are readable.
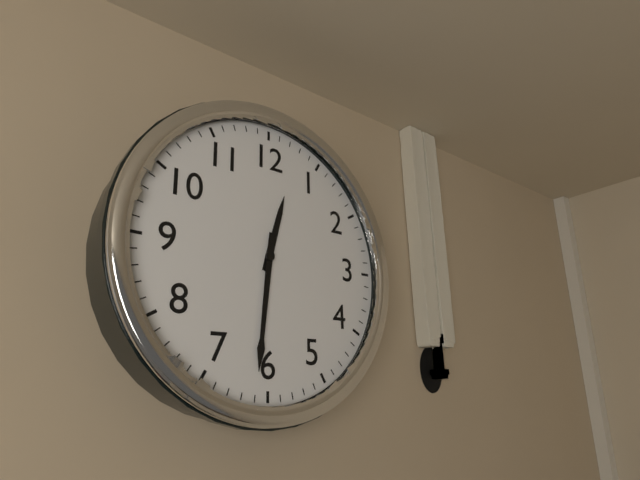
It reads 12:31
